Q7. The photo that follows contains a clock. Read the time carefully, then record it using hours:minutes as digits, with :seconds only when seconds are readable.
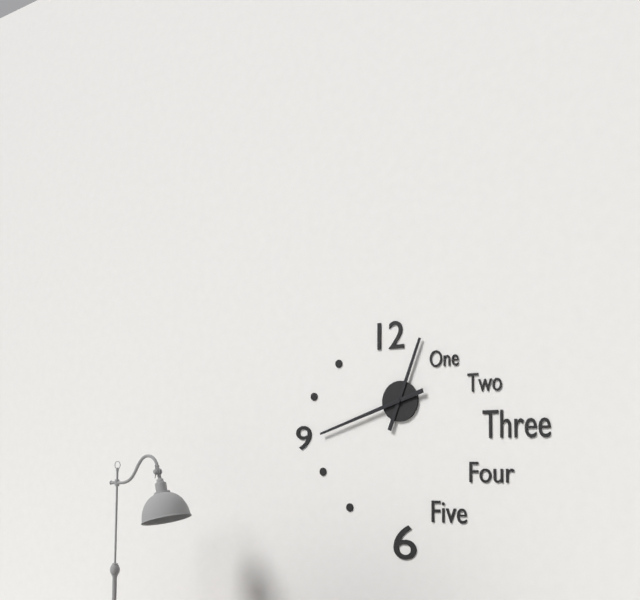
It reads 12:42
